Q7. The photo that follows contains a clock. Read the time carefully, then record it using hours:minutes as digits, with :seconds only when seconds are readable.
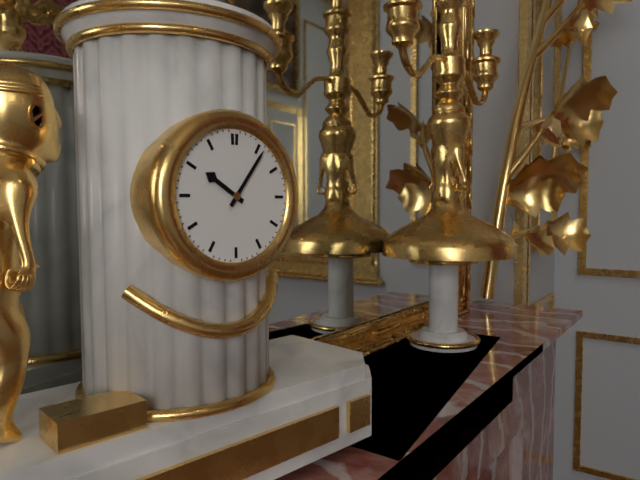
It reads 10:06
